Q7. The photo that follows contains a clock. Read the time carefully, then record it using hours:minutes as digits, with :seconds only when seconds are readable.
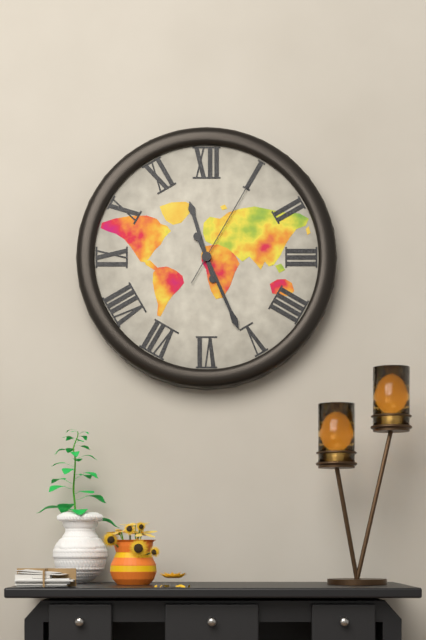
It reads 11:26:05
